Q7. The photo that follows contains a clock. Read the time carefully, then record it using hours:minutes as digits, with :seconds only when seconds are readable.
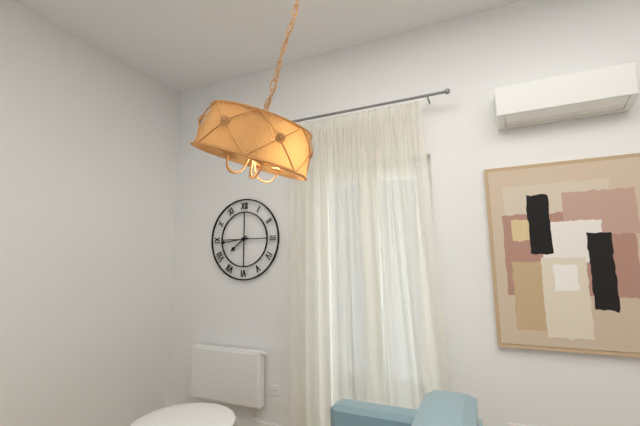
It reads 7:44
